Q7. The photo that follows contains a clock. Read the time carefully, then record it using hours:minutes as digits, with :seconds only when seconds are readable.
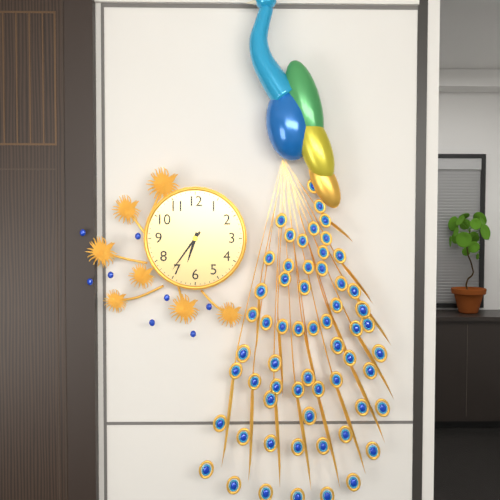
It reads 6:36
